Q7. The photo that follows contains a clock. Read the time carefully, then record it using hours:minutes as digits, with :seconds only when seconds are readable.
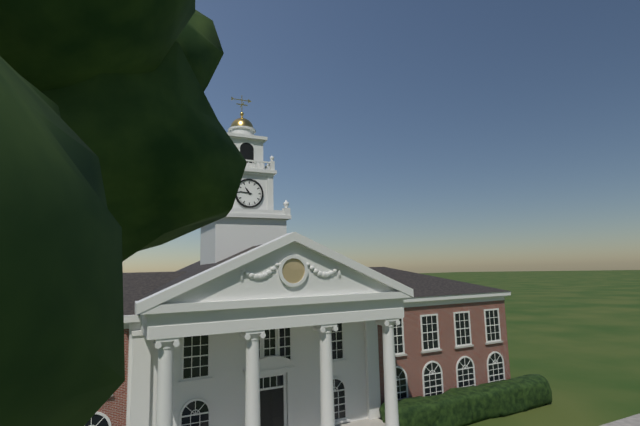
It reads 10:46
